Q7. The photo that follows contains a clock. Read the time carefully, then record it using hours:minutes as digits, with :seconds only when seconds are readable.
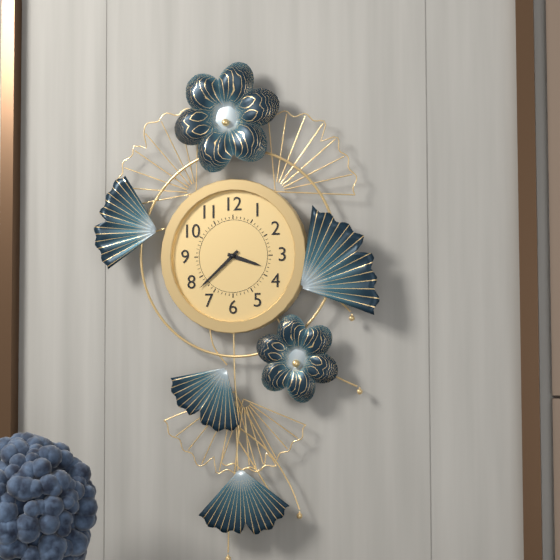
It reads 3:38
